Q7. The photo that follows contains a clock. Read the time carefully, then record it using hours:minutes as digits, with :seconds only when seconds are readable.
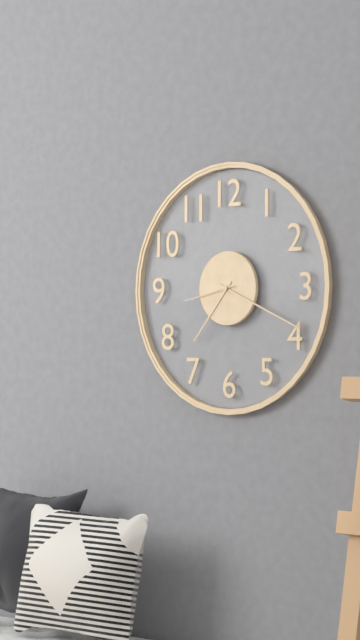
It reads 7:19:43
